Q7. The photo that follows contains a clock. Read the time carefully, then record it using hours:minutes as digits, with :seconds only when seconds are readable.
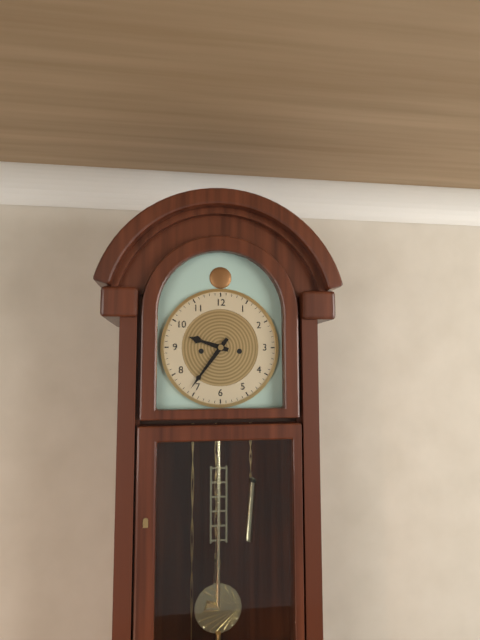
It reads 9:36
